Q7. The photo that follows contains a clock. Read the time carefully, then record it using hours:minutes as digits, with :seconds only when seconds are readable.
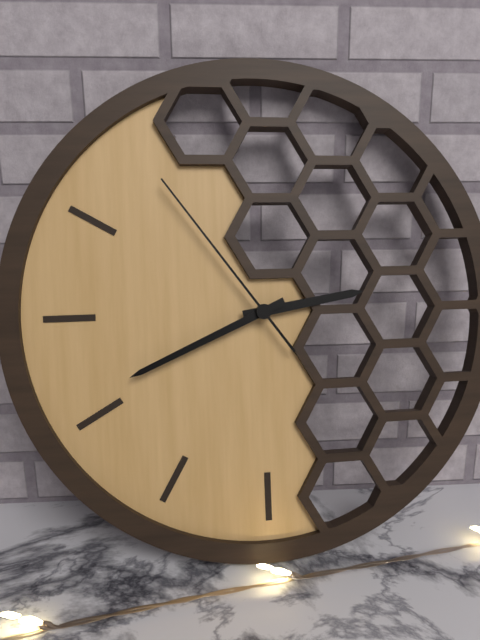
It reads 2:41:54
